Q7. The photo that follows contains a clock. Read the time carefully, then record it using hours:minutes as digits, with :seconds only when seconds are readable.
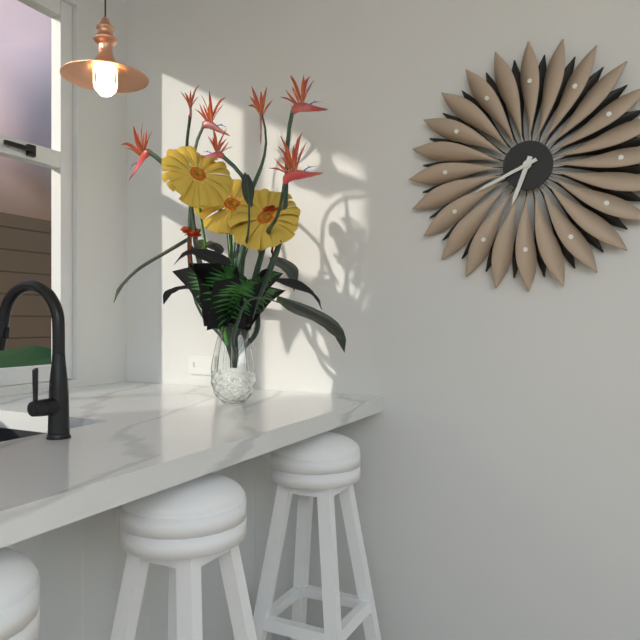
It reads 6:41
